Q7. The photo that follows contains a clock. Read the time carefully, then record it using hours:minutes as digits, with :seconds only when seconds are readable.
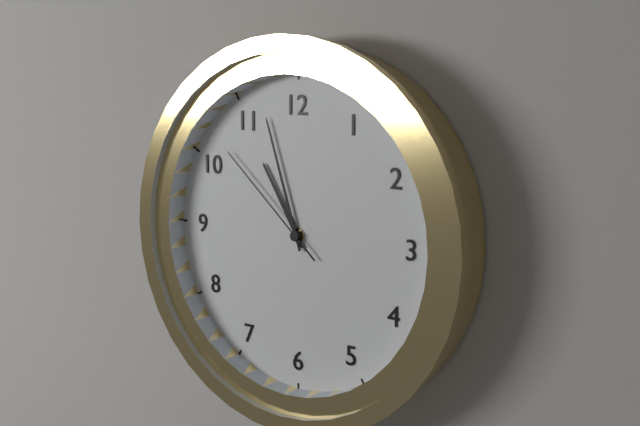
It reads 10:57:52
